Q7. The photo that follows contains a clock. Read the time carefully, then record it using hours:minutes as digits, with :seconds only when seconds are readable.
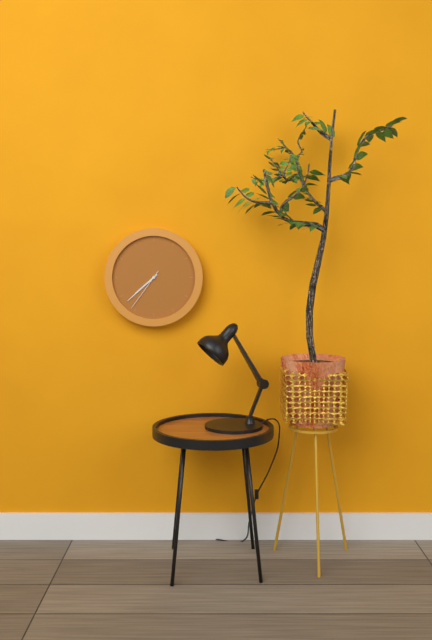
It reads 7:38
